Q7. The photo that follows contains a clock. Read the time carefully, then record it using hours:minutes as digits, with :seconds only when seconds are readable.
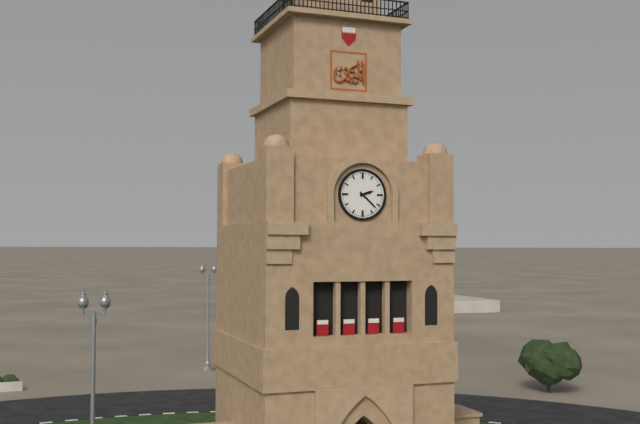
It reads 2:22
